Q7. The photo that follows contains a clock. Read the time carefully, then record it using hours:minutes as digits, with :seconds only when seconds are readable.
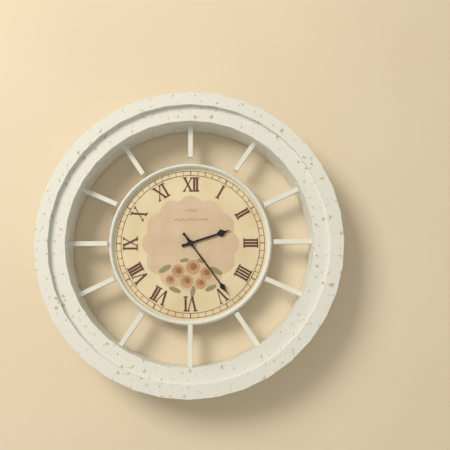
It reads 2:24
